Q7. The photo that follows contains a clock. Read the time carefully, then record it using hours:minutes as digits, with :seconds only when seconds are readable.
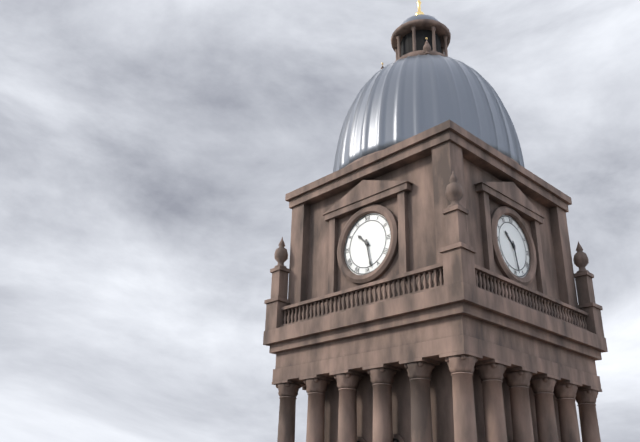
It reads 10:28
